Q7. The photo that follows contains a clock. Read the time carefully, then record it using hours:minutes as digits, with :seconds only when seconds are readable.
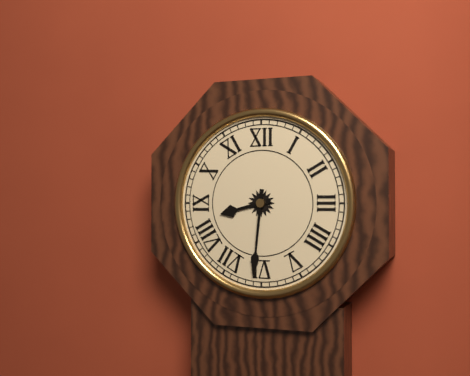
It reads 8:31
